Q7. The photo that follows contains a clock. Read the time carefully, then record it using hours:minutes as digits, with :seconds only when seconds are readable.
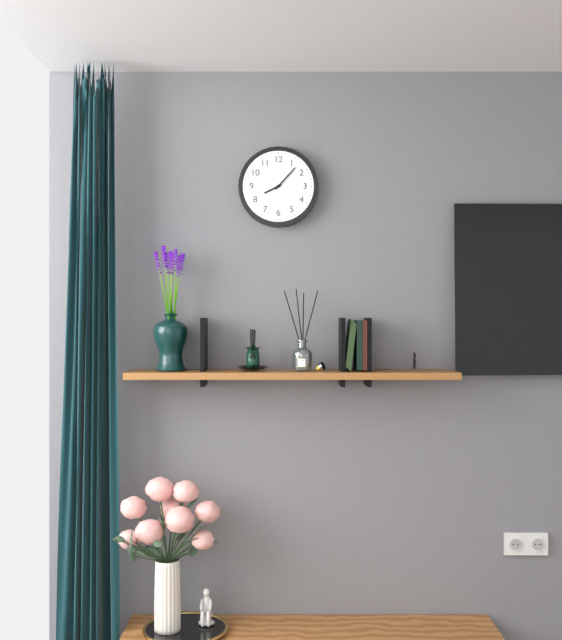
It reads 8:07
